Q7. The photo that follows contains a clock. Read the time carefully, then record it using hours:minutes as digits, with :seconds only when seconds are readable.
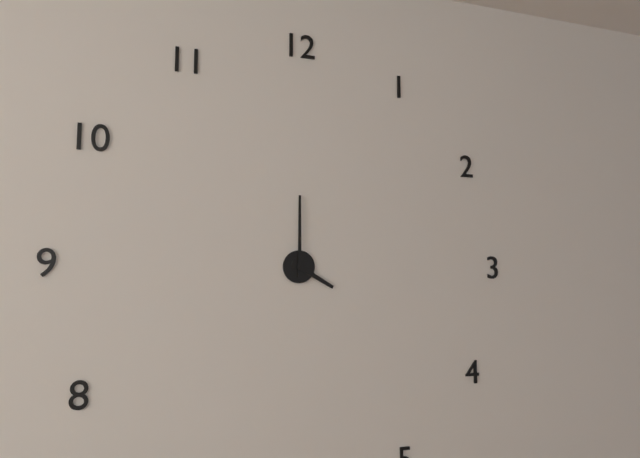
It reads 4:00
